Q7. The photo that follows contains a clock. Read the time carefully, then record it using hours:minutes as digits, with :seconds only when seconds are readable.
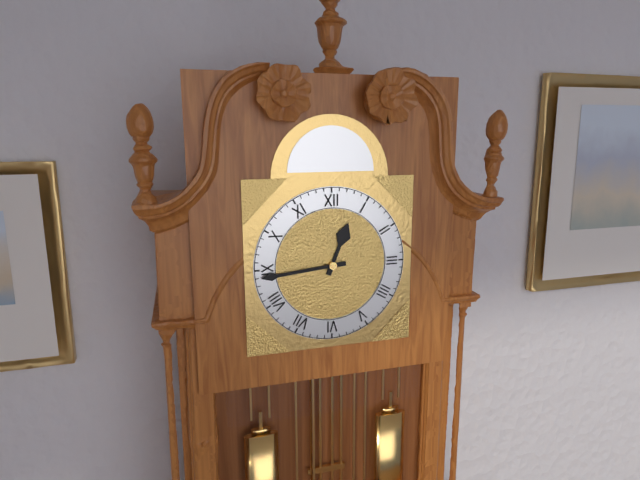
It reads 12:44
